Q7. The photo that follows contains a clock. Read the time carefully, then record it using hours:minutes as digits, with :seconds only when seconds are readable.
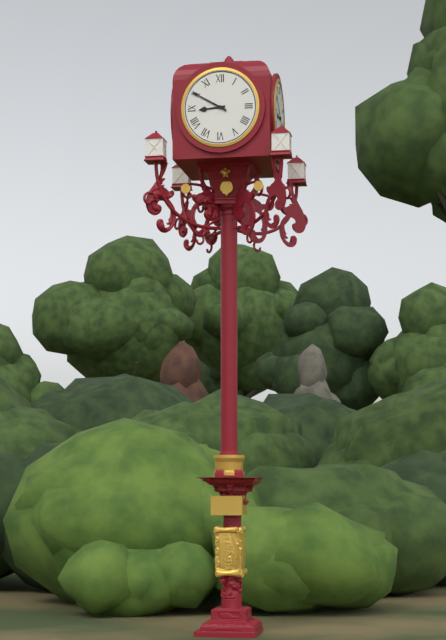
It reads 8:50
